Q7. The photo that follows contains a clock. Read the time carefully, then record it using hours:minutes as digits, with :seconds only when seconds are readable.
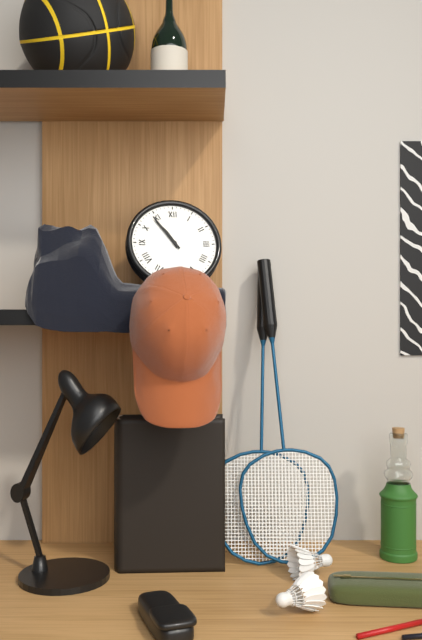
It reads 10:54
